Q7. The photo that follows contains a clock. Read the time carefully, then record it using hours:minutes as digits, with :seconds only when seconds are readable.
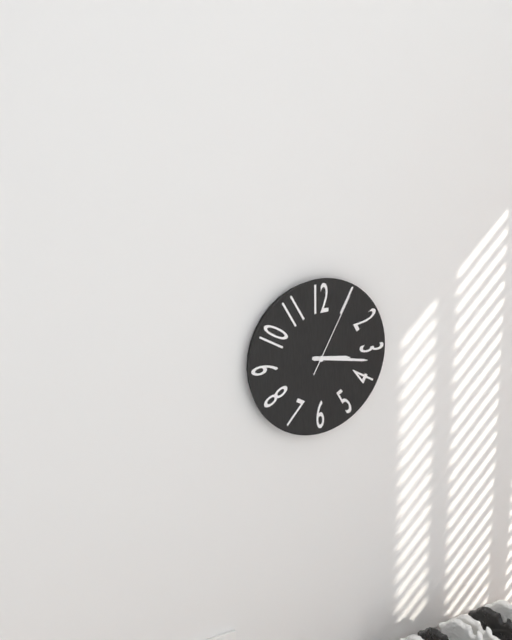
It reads 3:17:05
